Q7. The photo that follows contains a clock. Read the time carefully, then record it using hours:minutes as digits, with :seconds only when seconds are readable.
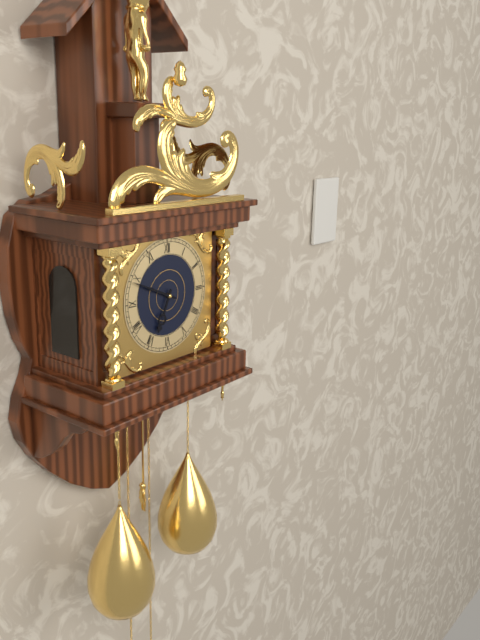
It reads 6:49
